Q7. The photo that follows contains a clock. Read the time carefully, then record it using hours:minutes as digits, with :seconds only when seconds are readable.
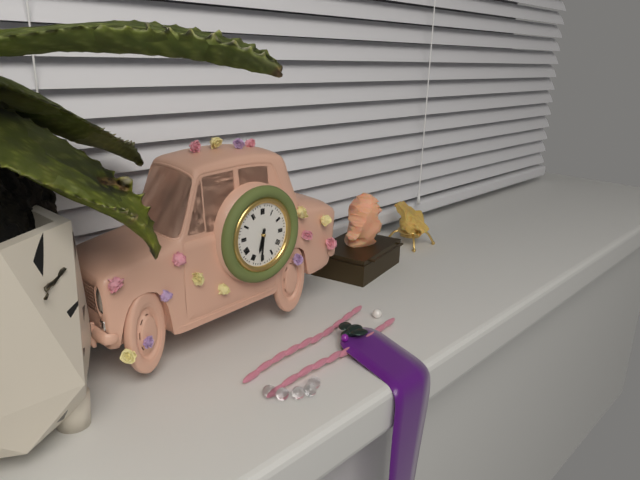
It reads 6:31
